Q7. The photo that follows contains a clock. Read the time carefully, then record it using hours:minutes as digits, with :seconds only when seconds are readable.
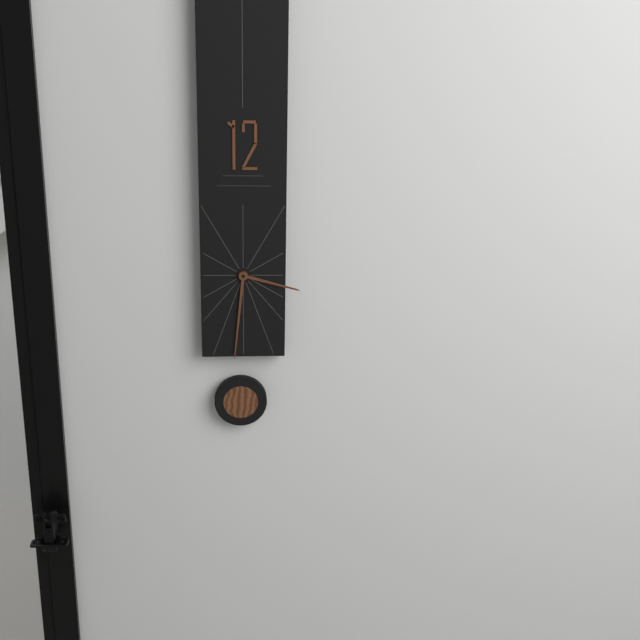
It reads 3:31
